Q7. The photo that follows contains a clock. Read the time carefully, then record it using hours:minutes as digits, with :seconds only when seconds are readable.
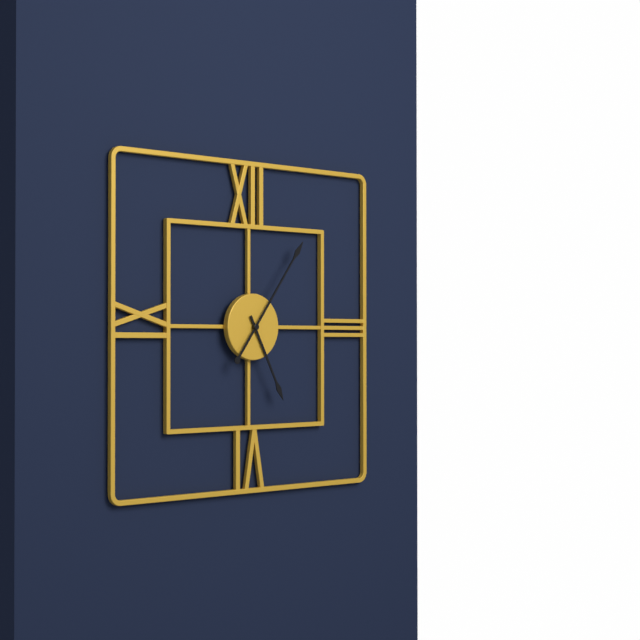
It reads 5:06
